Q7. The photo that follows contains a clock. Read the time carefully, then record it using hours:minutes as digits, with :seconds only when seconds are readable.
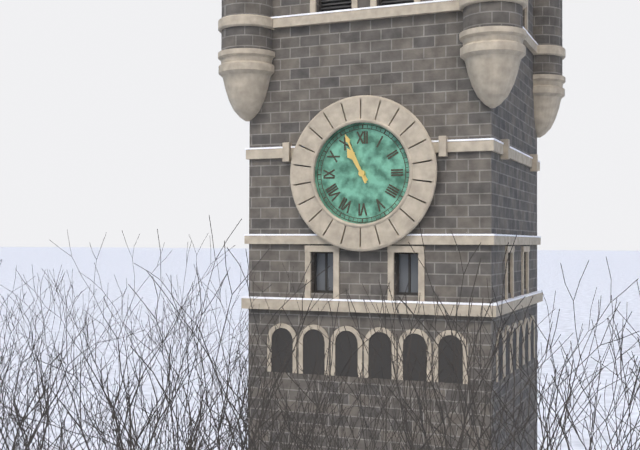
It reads 10:56
